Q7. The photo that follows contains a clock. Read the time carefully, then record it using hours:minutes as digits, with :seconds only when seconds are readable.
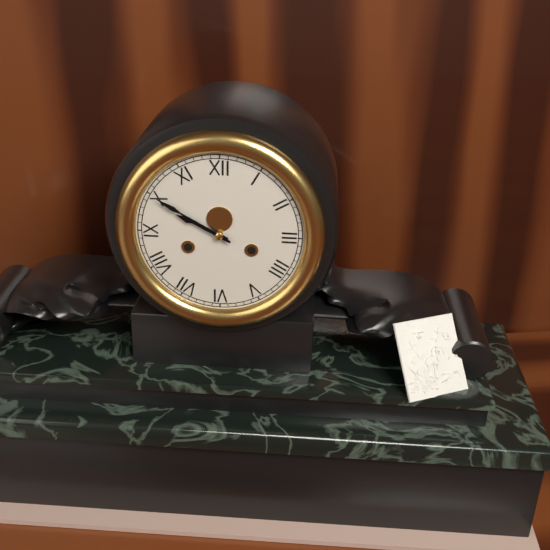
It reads 9:50
